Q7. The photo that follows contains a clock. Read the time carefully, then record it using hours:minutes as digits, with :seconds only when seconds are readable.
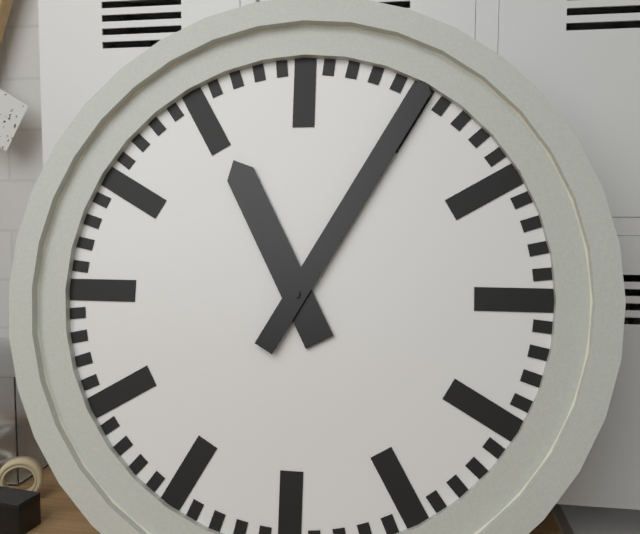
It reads 11:05
